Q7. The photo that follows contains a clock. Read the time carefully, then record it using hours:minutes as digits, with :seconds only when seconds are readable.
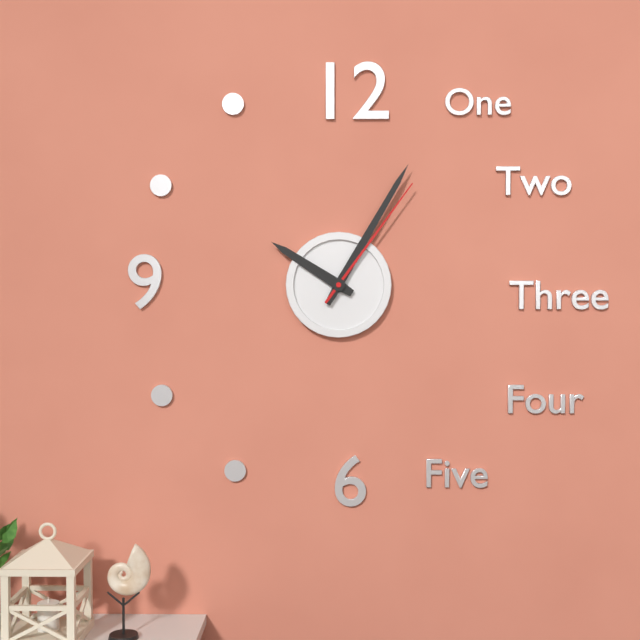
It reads 10:05:06
